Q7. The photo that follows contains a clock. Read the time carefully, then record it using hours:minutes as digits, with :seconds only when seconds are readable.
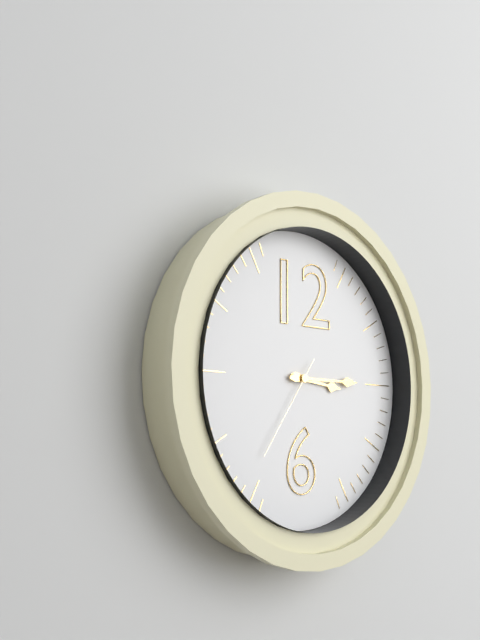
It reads 3:15:36
